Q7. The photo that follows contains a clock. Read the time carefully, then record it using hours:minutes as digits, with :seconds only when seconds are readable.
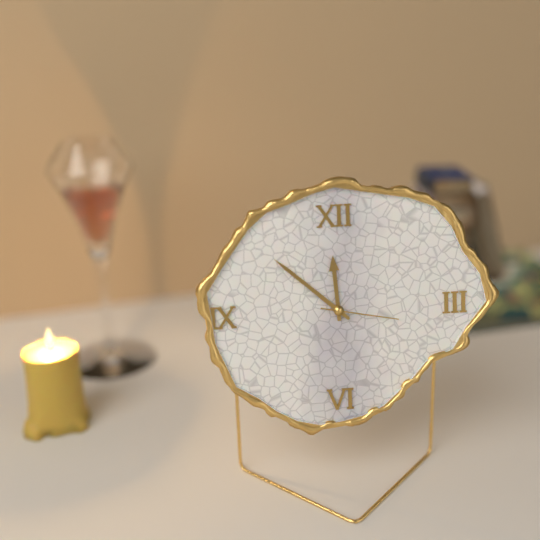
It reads 11:52:17
